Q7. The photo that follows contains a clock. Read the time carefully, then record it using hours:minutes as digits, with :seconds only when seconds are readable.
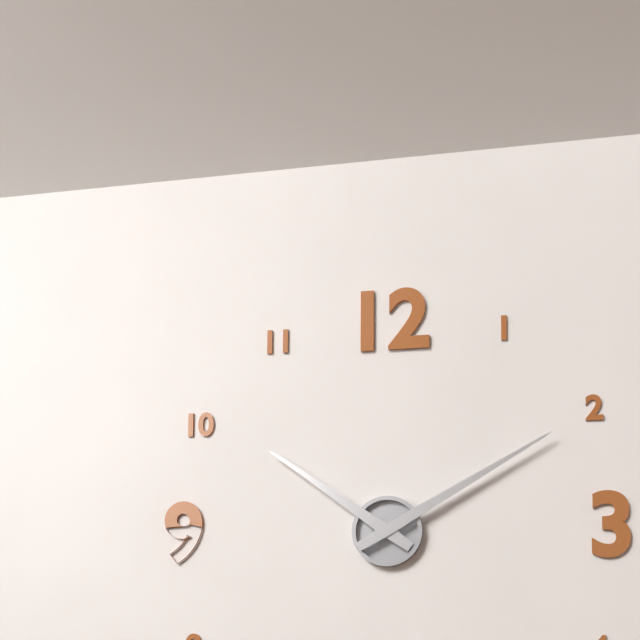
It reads 10:10
